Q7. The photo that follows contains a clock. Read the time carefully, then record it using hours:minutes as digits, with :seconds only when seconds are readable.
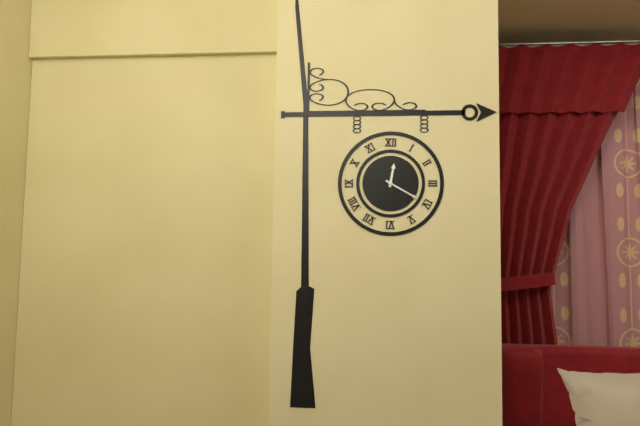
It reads 12:20
